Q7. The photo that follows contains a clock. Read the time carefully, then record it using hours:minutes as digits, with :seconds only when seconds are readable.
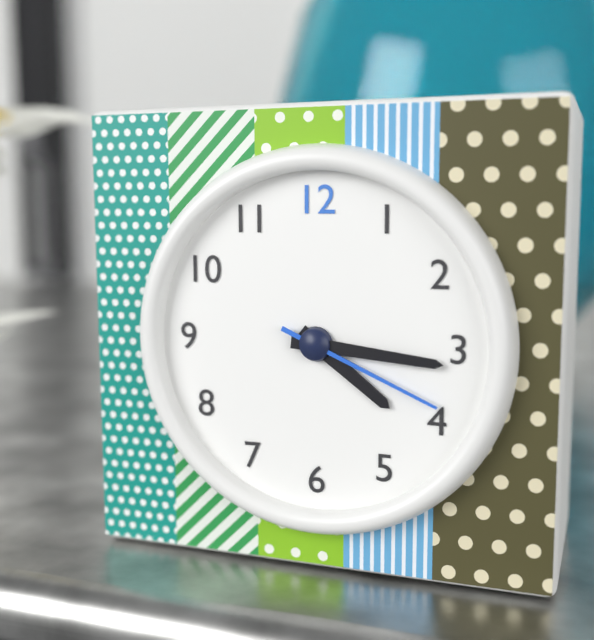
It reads 4:16:19
